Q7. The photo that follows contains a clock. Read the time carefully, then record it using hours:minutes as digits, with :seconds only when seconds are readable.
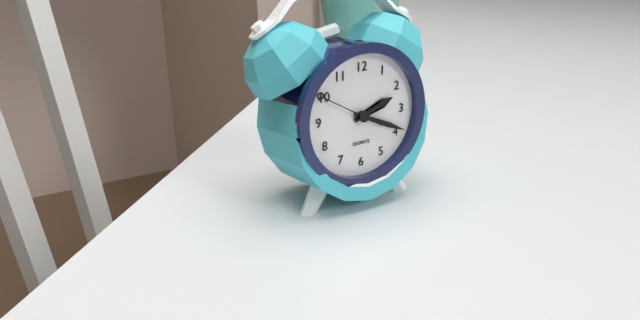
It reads 2:19:50
